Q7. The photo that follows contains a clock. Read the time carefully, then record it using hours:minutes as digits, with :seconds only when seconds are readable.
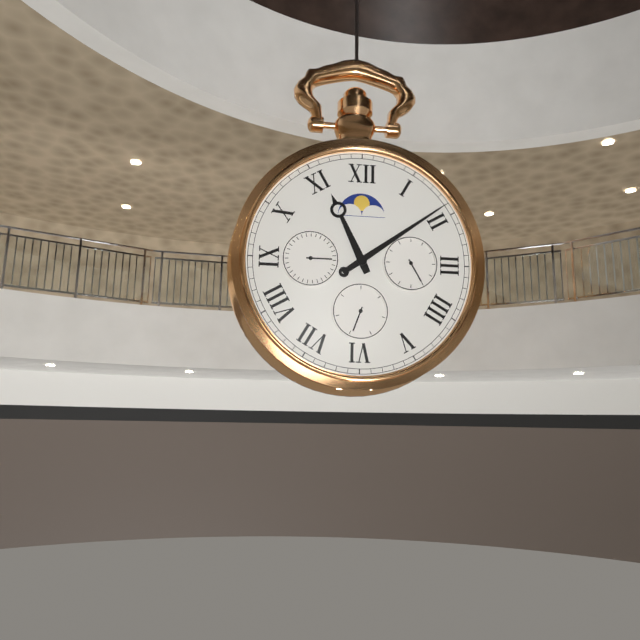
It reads 11:09
